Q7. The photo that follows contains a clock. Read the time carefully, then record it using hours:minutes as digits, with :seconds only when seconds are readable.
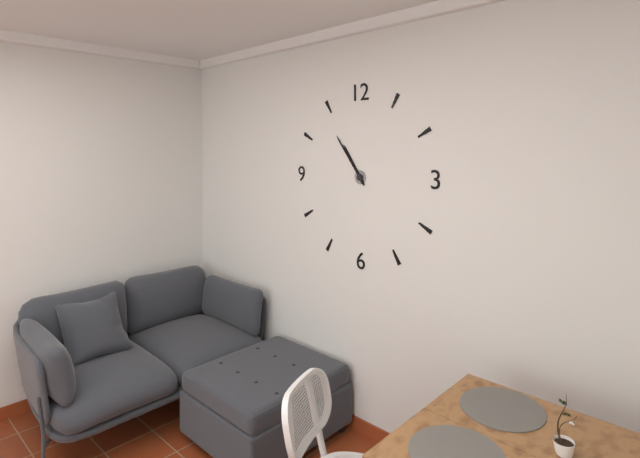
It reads 10:54
